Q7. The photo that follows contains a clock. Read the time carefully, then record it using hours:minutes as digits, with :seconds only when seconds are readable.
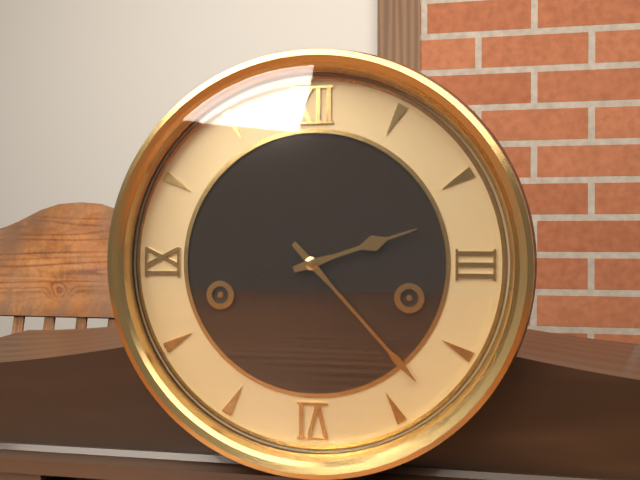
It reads 2:23
